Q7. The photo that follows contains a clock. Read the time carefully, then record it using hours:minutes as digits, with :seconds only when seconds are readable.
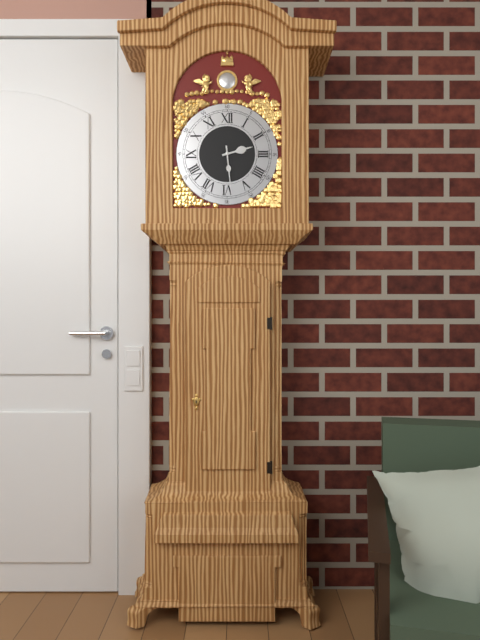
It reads 2:29
